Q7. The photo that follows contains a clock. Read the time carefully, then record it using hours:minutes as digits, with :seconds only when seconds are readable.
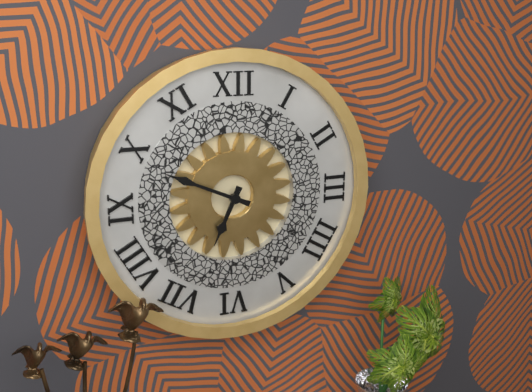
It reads 6:49
